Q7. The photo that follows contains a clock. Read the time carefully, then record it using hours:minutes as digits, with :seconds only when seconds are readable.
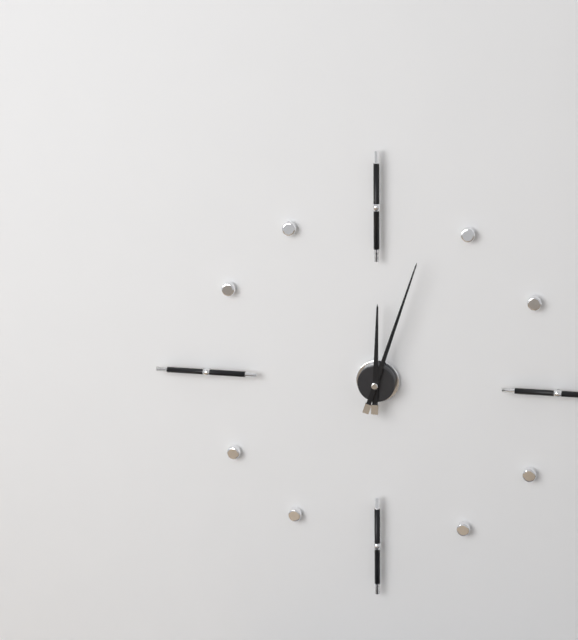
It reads 12:03
